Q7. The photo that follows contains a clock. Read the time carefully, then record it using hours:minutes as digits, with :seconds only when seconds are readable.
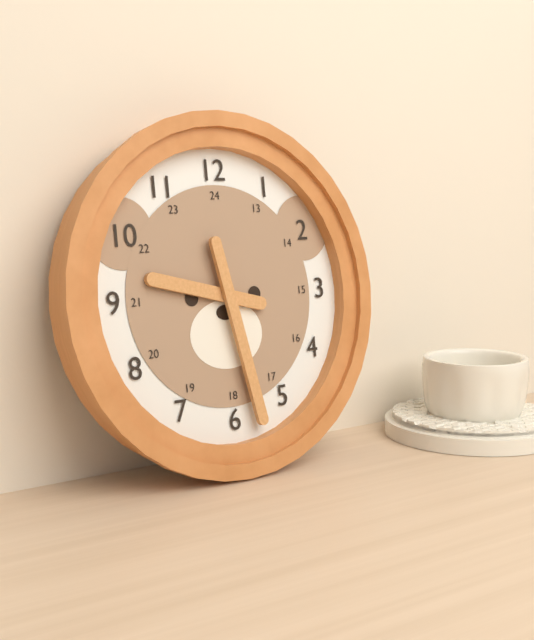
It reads 9:28
